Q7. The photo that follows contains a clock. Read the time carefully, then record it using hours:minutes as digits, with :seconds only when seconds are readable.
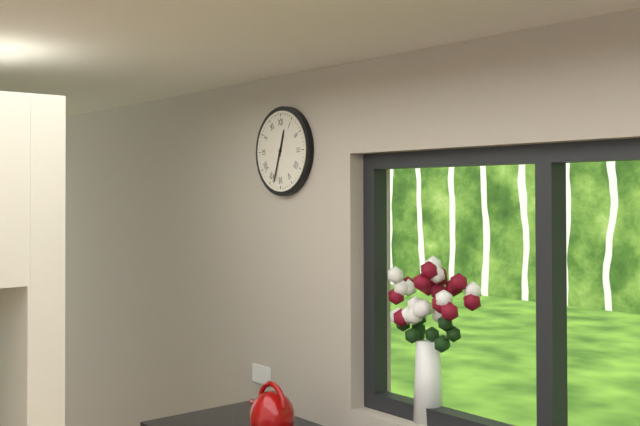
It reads 12:33
